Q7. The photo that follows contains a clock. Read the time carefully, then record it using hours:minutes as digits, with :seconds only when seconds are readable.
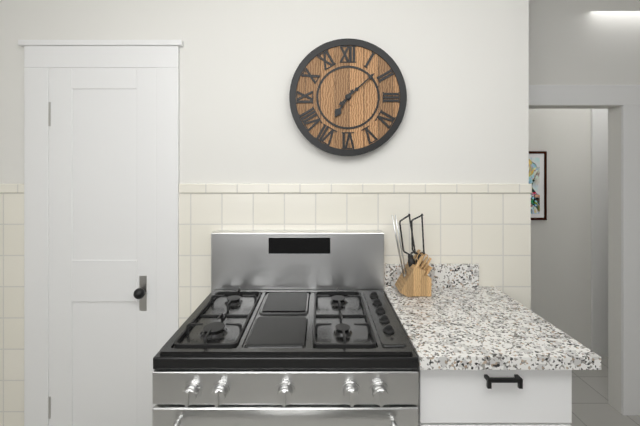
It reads 7:08
